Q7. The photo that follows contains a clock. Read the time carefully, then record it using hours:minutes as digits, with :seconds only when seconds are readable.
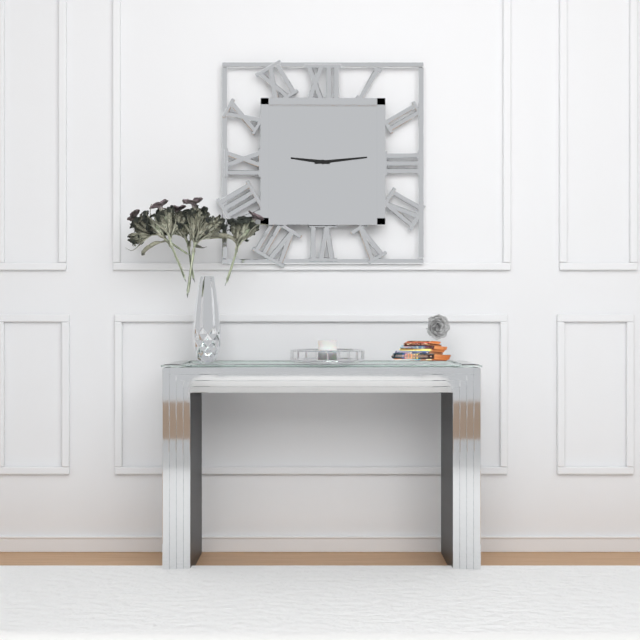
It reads 9:14
